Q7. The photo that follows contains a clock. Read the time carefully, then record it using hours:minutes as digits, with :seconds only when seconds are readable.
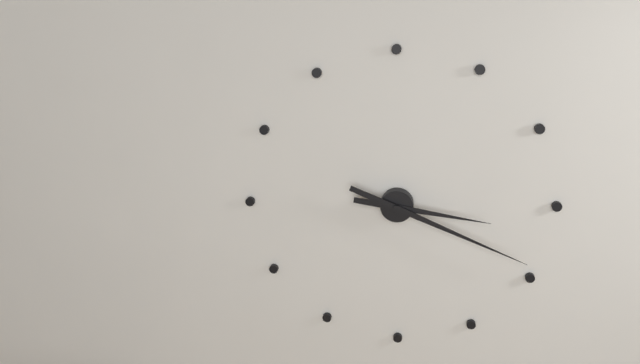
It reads 3:19
